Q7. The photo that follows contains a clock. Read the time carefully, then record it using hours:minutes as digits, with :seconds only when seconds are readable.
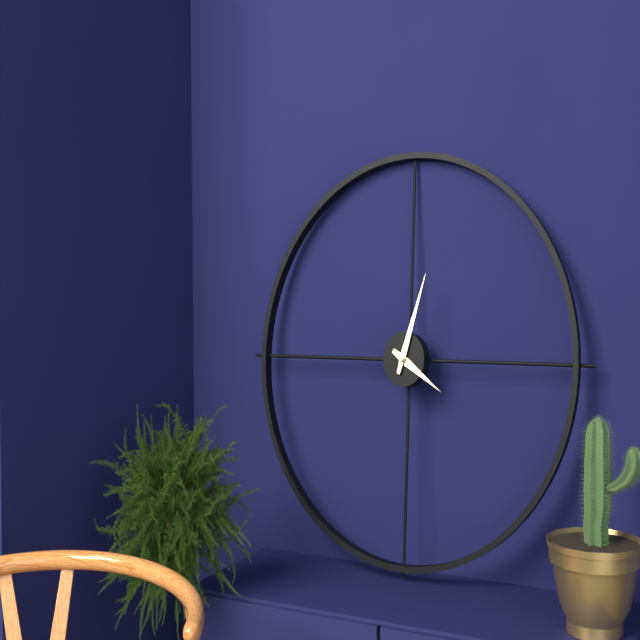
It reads 4:03
